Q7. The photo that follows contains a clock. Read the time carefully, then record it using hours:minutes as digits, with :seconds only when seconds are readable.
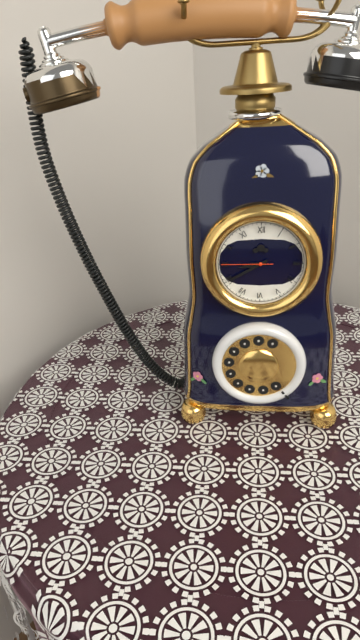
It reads 8:40
